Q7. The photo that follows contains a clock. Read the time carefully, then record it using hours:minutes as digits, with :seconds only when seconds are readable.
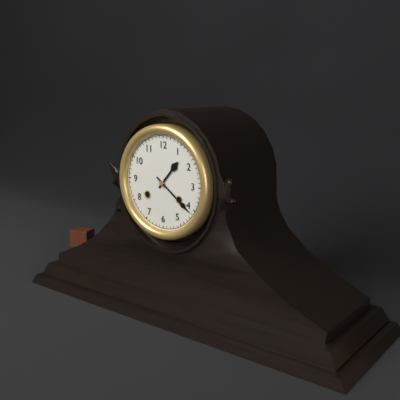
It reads 1:21
